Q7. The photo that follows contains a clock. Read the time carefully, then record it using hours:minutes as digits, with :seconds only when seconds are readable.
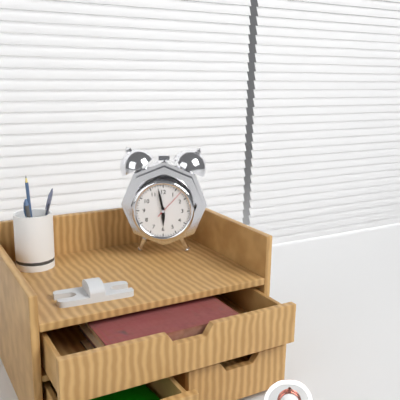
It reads 5:58
